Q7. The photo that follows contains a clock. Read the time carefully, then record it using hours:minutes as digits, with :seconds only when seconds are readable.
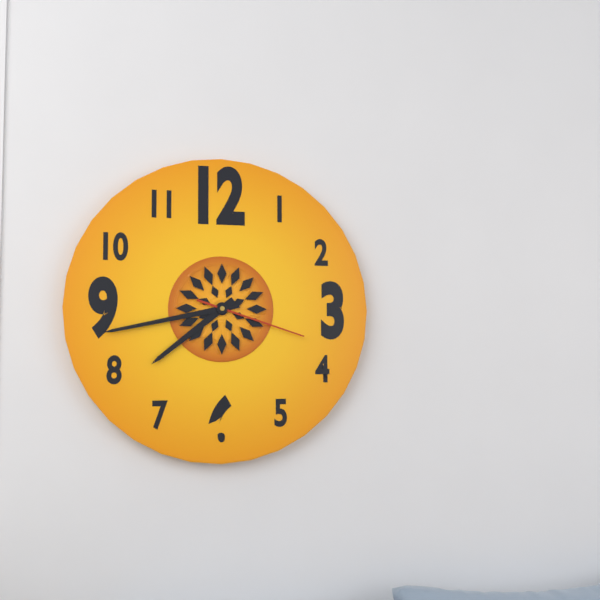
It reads 7:43:18
